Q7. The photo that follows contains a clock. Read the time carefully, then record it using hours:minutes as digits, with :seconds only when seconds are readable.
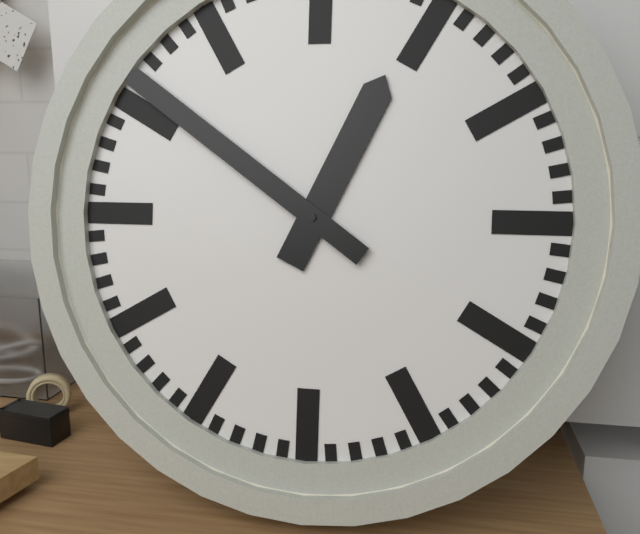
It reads 12:51
